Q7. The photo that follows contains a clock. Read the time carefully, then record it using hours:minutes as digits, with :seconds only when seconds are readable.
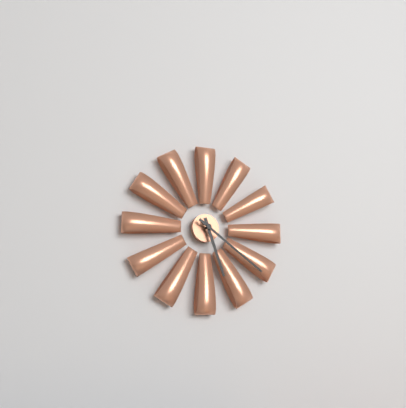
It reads 5:21
